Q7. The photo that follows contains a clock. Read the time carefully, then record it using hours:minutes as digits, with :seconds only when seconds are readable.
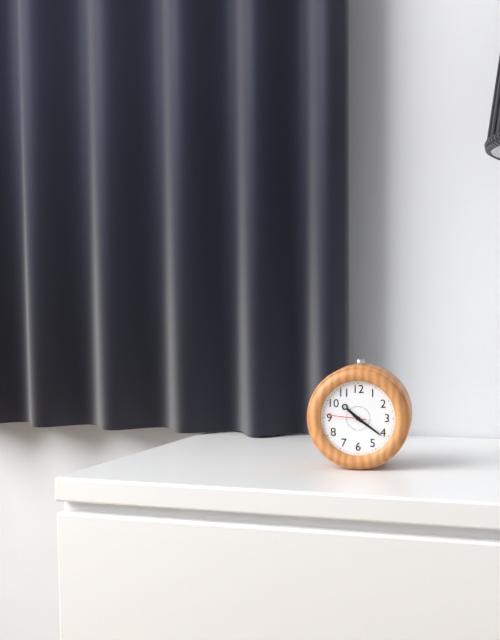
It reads 10:21
